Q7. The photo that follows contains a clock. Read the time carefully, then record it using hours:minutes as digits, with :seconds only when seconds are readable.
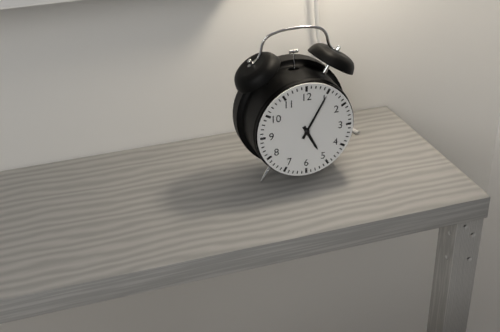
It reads 5:05
